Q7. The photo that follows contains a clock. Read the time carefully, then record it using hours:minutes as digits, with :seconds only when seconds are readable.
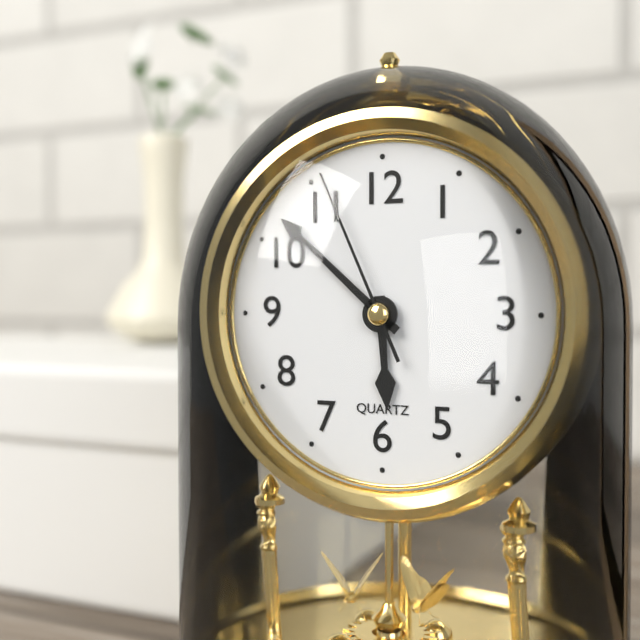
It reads 5:52:56
